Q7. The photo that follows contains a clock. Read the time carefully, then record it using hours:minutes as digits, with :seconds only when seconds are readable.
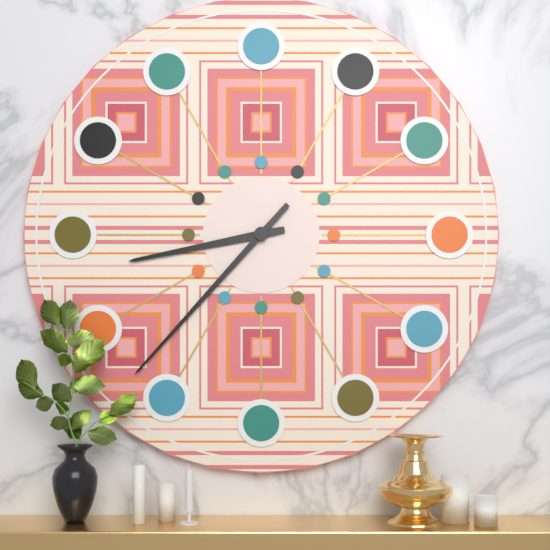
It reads 8:37
